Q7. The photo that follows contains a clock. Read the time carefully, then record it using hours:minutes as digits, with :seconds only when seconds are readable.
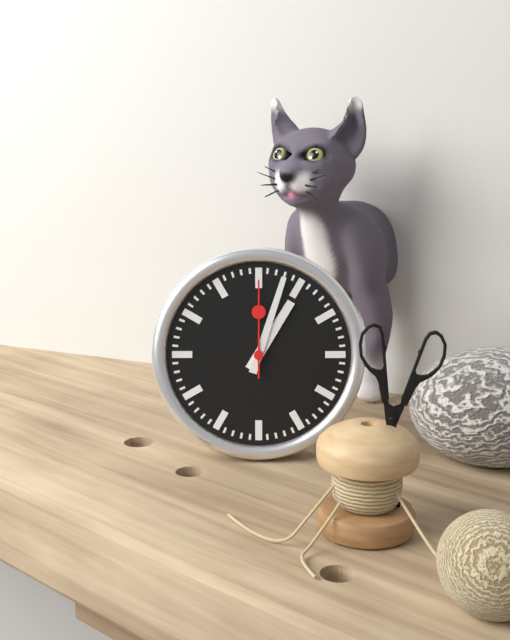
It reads 1:03:00
